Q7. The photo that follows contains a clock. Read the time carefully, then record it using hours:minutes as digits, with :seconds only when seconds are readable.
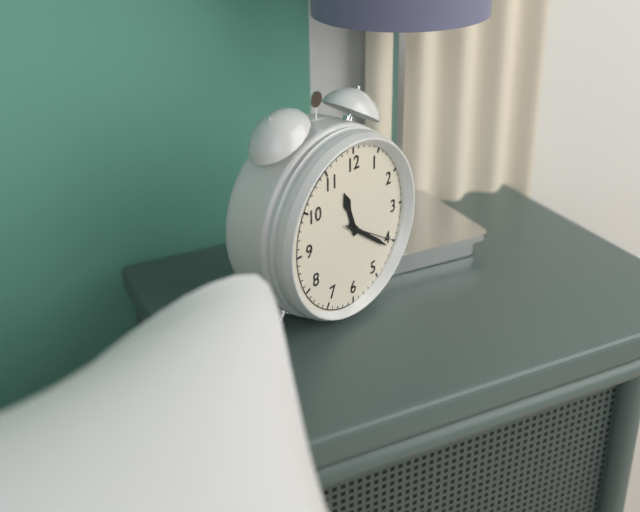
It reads 11:21
